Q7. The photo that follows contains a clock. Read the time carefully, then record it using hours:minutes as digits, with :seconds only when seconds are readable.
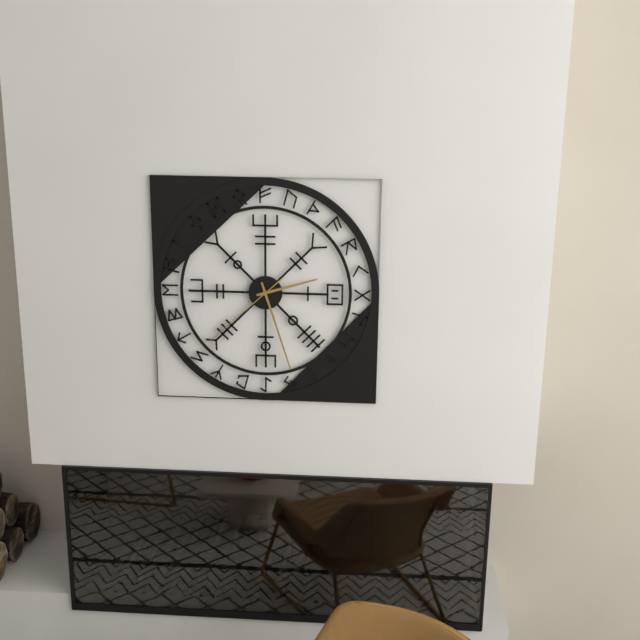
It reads 2:27:38
